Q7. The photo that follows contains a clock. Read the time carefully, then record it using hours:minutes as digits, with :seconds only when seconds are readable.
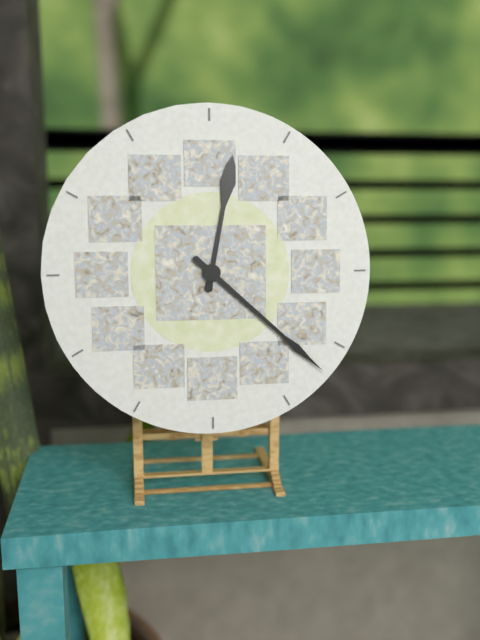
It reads 12:22
